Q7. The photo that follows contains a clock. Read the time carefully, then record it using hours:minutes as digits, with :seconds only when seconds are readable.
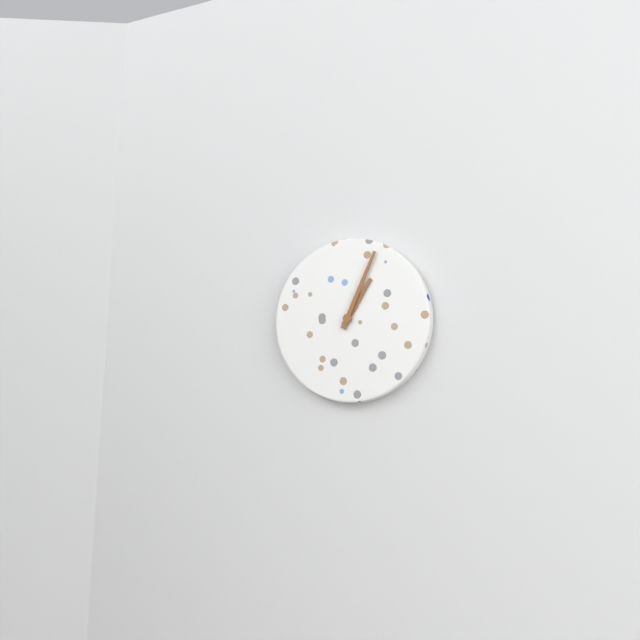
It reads 1:04
